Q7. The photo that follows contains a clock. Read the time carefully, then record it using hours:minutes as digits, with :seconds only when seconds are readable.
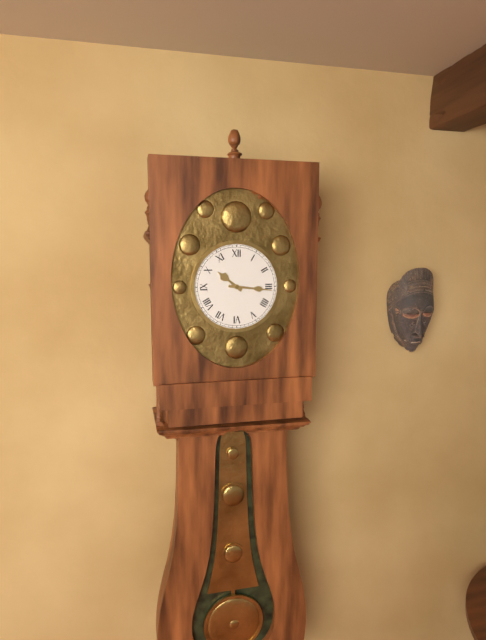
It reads 10:16
